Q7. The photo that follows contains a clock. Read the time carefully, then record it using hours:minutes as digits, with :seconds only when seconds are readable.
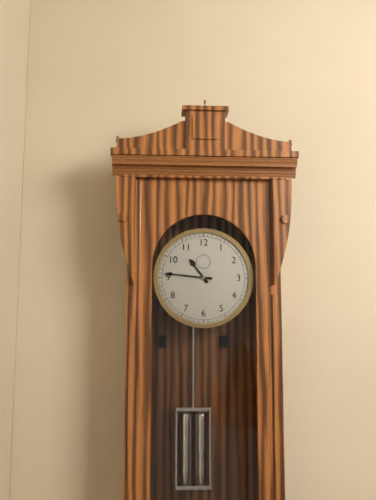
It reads 10:46
